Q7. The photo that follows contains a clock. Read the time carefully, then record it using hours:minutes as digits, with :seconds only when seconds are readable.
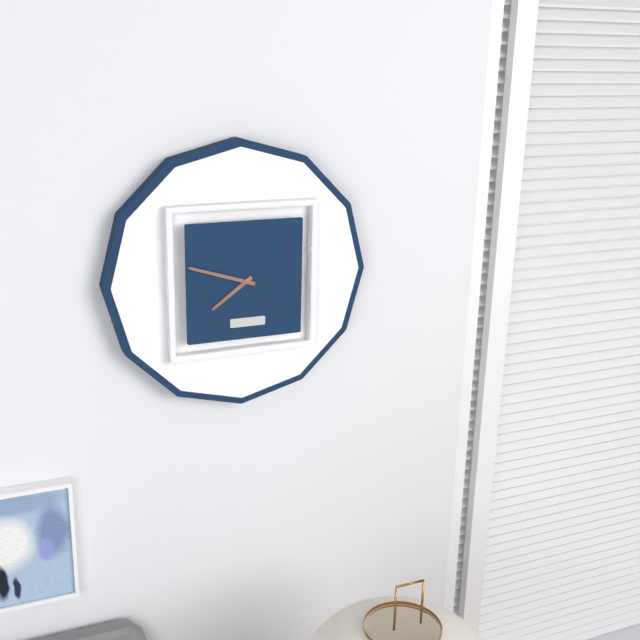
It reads 7:48
